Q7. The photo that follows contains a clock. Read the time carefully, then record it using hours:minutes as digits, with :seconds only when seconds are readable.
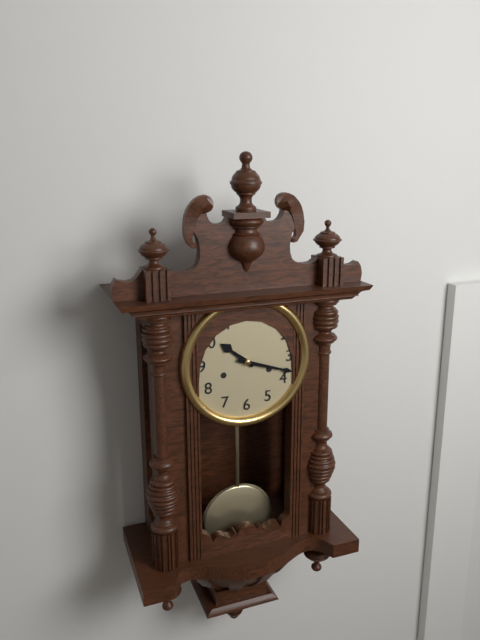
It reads 10:18
